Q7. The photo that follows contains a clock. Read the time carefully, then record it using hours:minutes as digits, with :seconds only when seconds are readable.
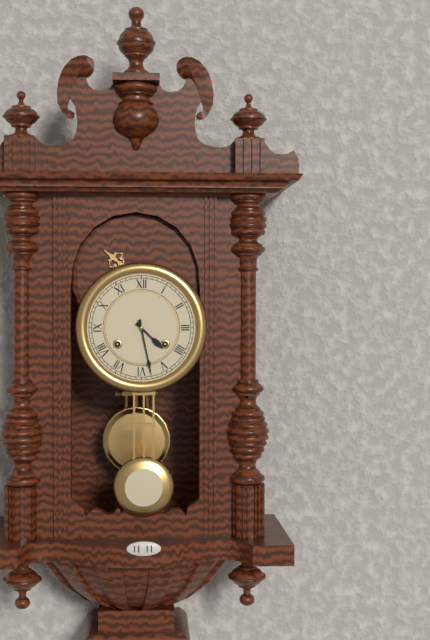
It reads 4:28
